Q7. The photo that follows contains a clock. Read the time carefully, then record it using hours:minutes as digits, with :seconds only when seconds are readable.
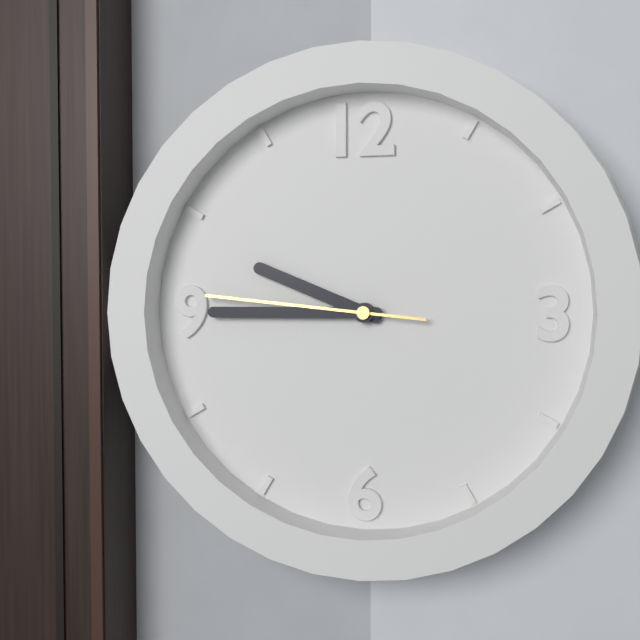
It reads 9:45:46
